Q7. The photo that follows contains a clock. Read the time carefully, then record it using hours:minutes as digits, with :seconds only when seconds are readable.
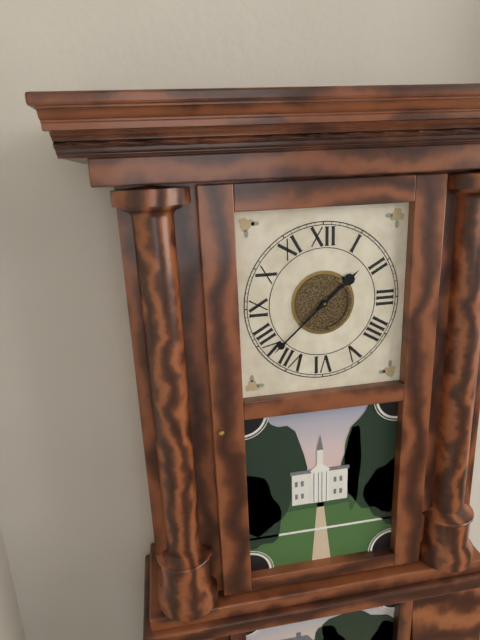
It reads 1:38
